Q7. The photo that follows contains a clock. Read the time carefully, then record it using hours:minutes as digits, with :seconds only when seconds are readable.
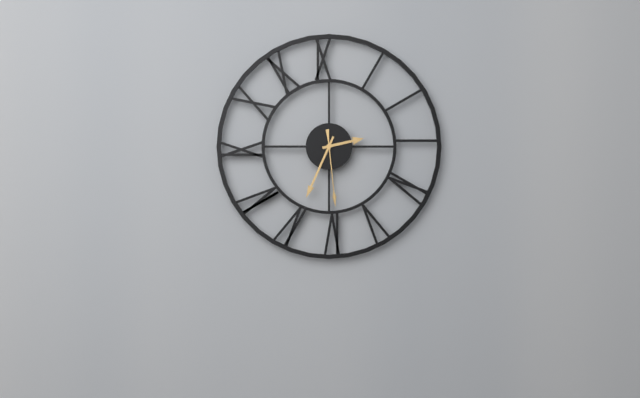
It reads 2:34:29
